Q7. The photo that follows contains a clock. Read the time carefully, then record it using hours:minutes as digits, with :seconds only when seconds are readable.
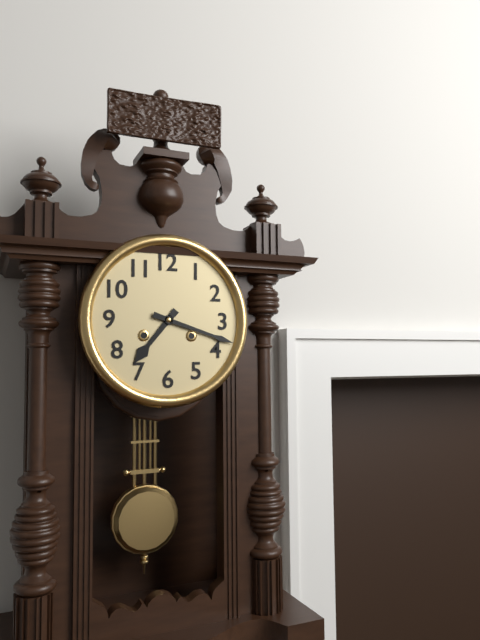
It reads 7:18
